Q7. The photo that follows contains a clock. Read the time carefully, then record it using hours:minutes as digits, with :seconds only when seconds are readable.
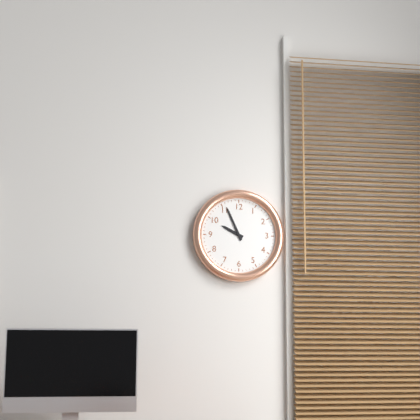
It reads 9:56
